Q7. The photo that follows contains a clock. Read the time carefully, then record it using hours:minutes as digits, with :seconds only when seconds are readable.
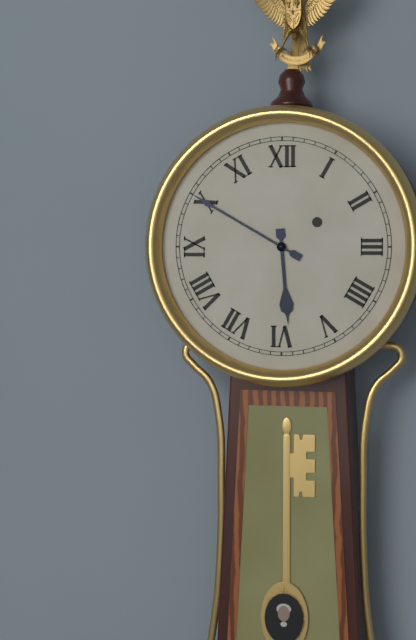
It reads 5:50
